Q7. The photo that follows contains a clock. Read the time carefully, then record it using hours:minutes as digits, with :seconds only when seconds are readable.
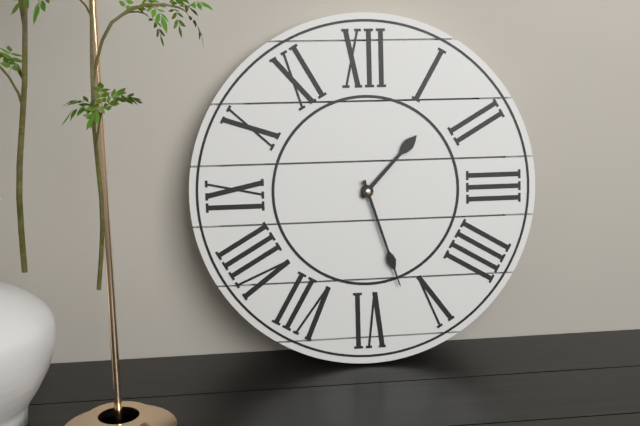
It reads 1:27
